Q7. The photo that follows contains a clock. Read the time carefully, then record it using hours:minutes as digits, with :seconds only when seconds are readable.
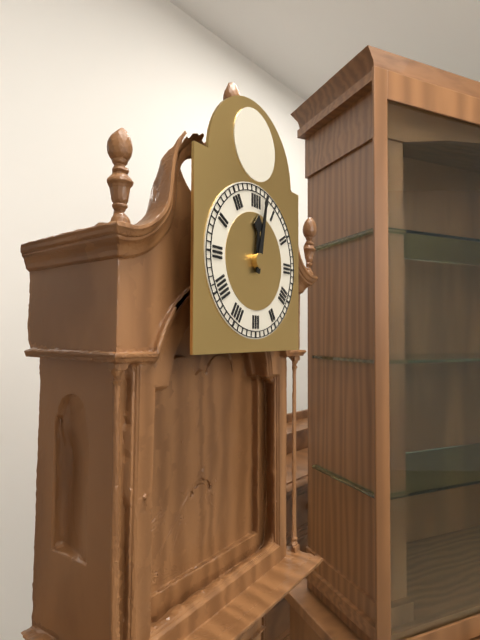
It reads 12:02
